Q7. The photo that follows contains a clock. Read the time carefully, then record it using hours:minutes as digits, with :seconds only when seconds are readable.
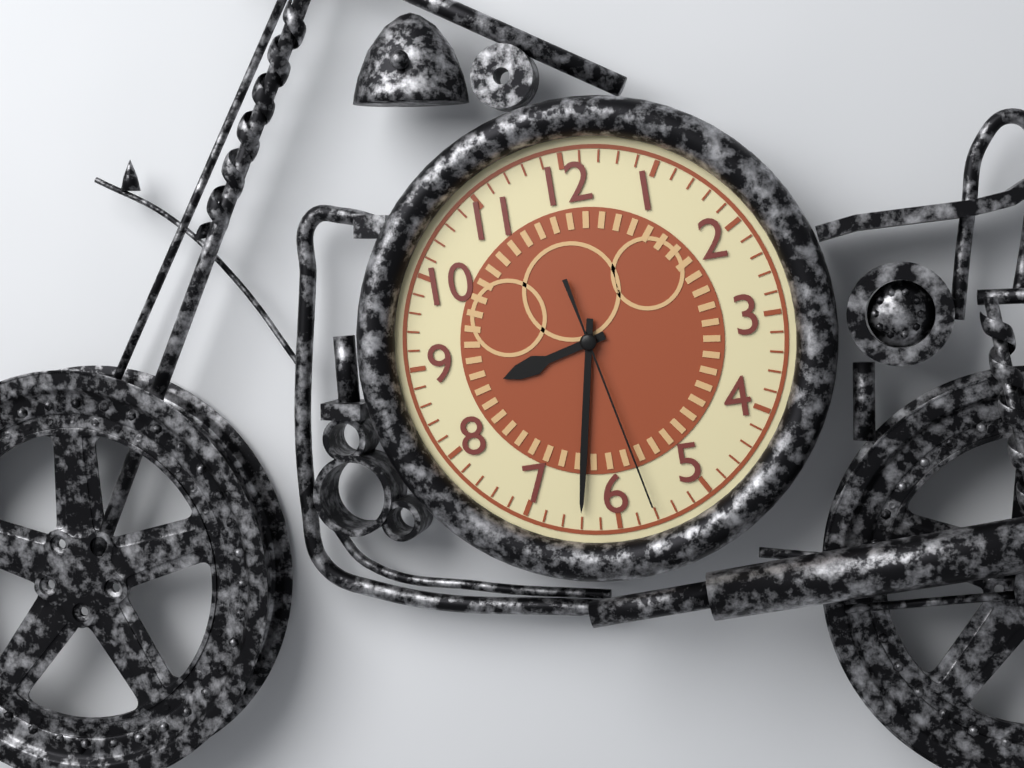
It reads 8:32:28
